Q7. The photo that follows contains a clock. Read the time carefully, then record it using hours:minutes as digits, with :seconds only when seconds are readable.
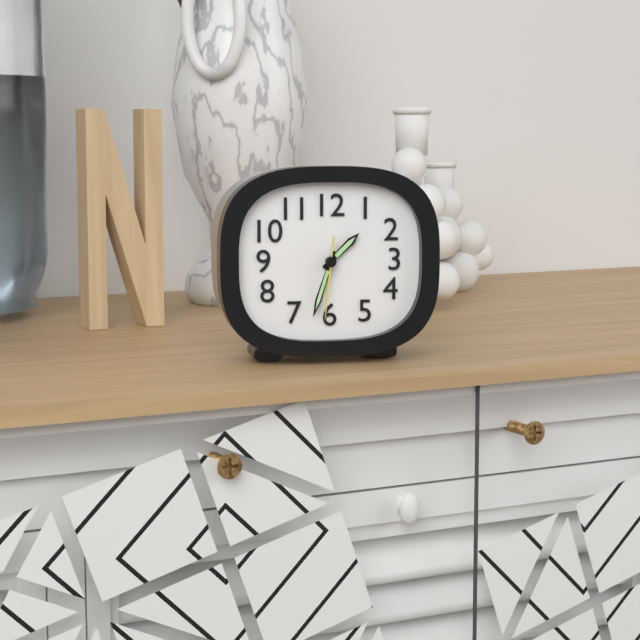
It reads 1:33:31
